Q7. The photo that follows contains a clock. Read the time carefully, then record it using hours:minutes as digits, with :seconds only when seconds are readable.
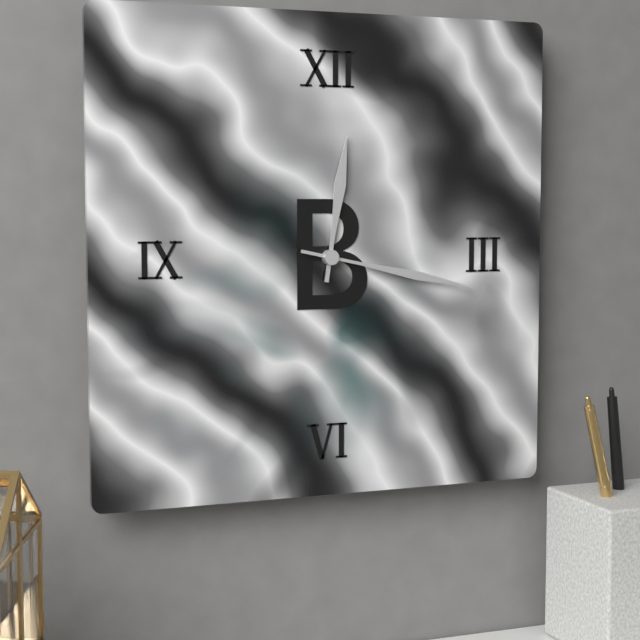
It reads 12:17
